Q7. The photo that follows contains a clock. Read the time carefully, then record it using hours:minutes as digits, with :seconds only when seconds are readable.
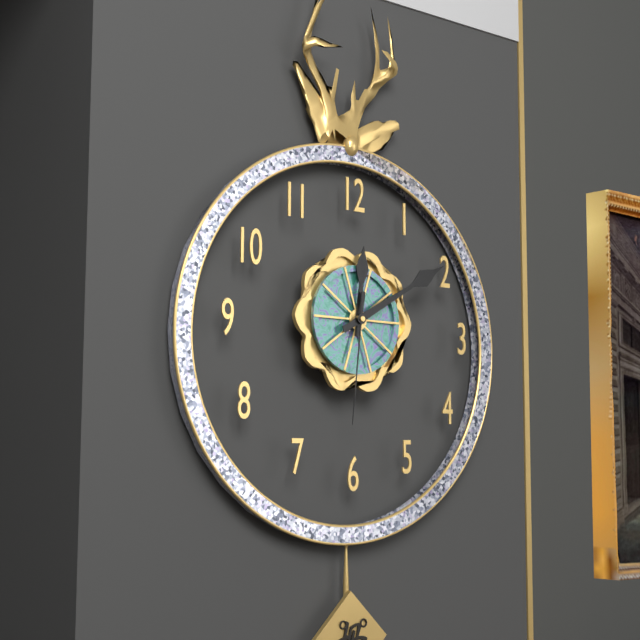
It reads 12:10:31
